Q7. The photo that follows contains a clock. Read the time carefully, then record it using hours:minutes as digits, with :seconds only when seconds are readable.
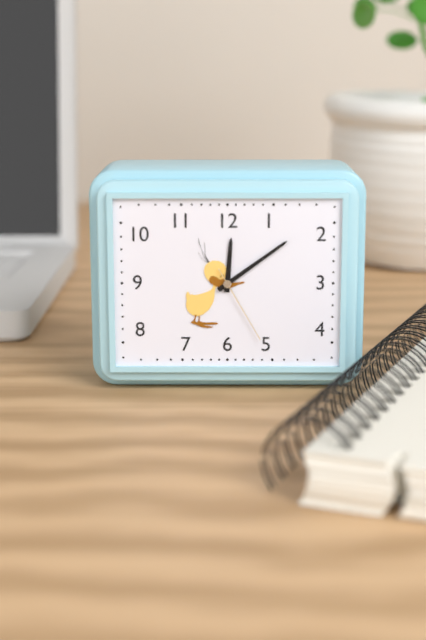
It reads 12:09:25
